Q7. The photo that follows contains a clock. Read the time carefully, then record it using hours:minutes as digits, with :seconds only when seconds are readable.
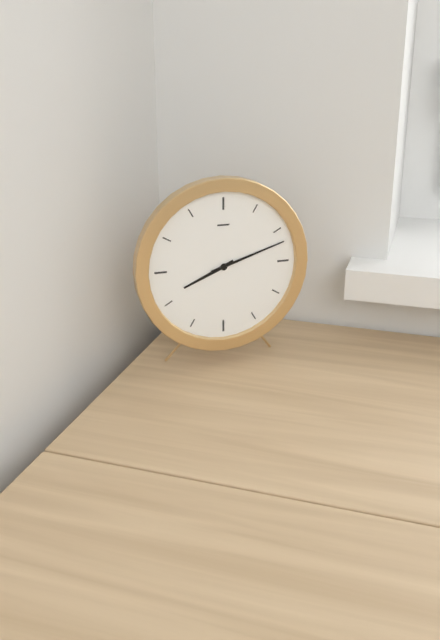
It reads 8:12
